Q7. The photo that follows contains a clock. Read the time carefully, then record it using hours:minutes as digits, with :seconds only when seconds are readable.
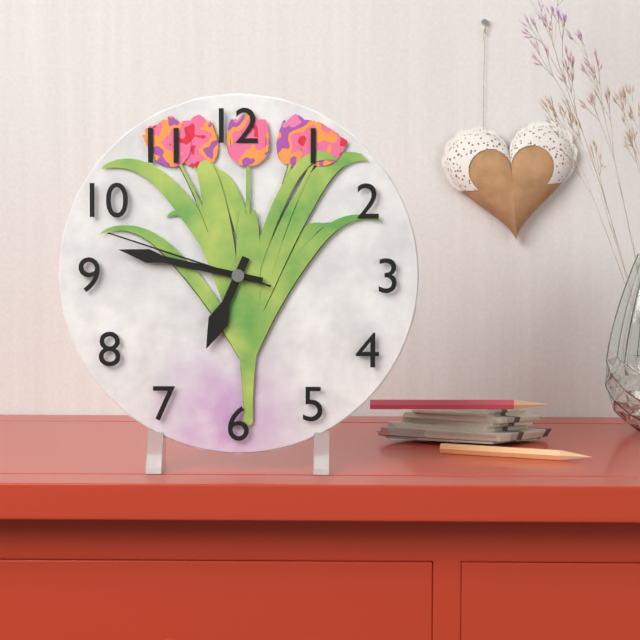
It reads 6:47:48
